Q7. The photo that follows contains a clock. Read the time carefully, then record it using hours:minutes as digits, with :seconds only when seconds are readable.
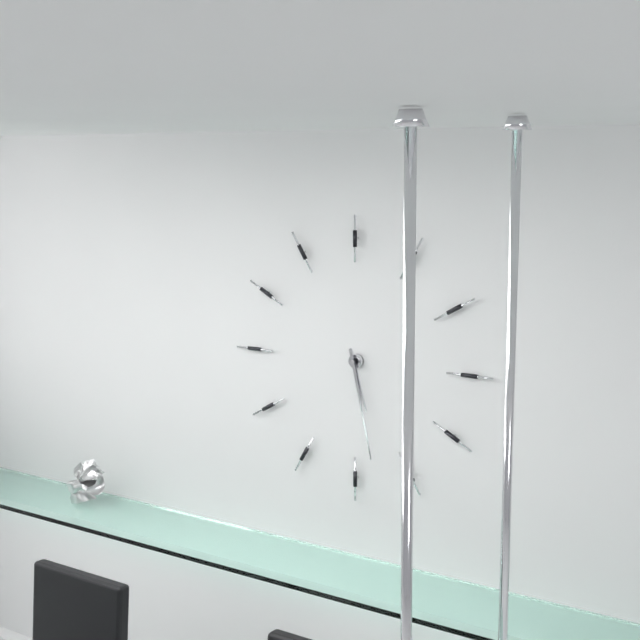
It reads 5:28
